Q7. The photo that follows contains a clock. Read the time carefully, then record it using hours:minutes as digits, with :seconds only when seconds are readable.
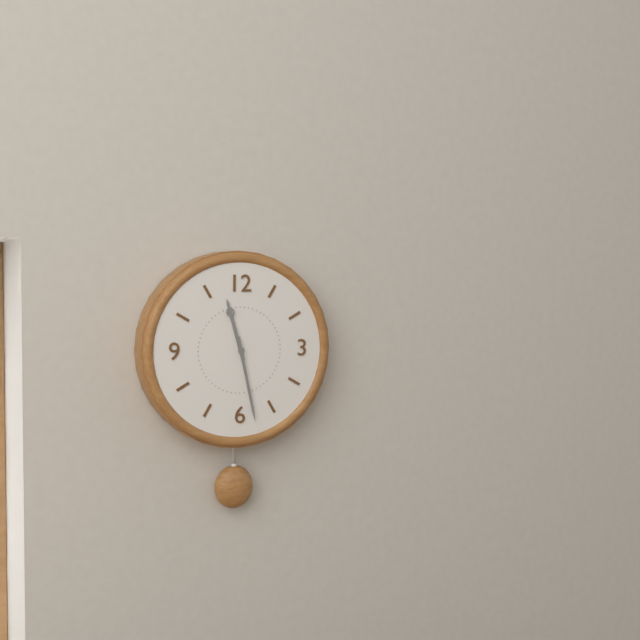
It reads 11:28
